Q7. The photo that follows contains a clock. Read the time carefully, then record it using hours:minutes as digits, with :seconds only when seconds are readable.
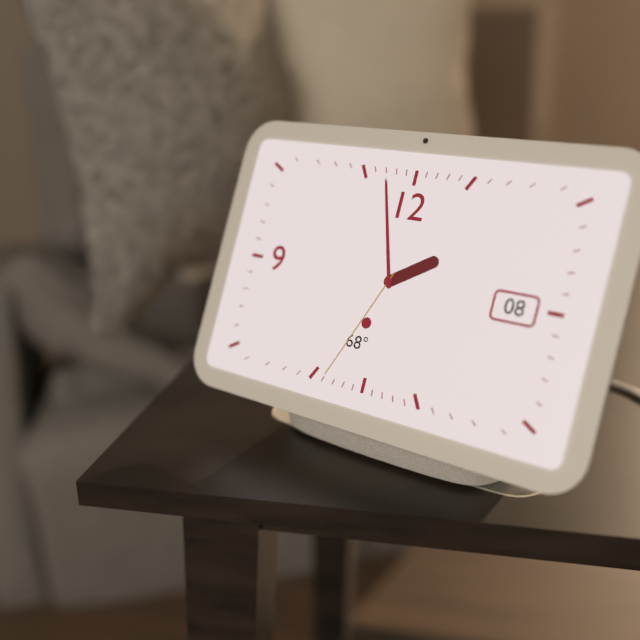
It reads 1:57:34
